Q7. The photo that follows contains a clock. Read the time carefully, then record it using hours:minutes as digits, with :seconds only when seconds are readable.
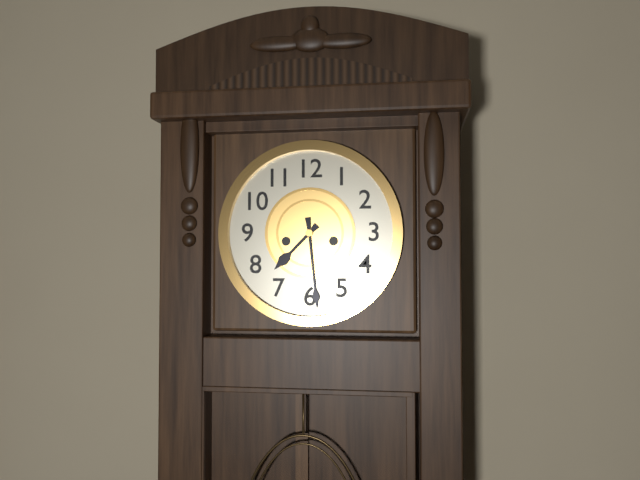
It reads 7:29
